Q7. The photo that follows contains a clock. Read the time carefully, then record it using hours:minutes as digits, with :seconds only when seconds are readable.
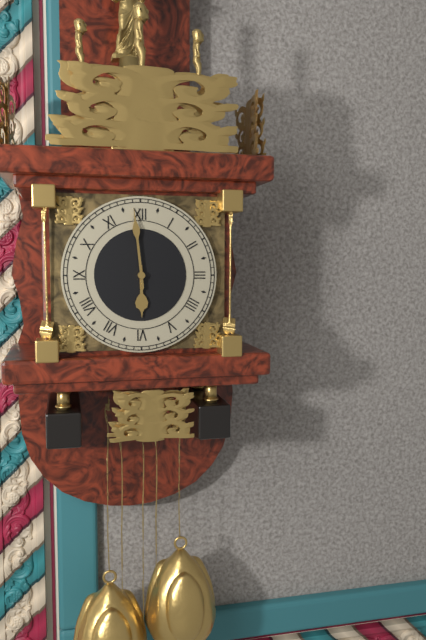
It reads 5:59
